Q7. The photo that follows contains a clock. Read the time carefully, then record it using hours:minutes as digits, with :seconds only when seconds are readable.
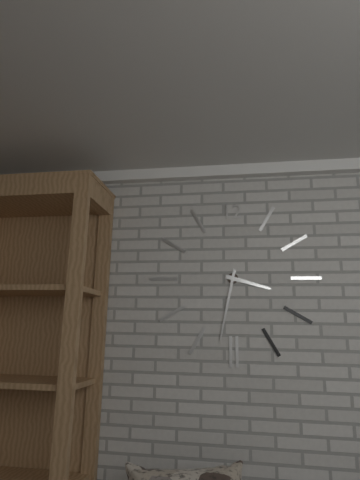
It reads 3:32
